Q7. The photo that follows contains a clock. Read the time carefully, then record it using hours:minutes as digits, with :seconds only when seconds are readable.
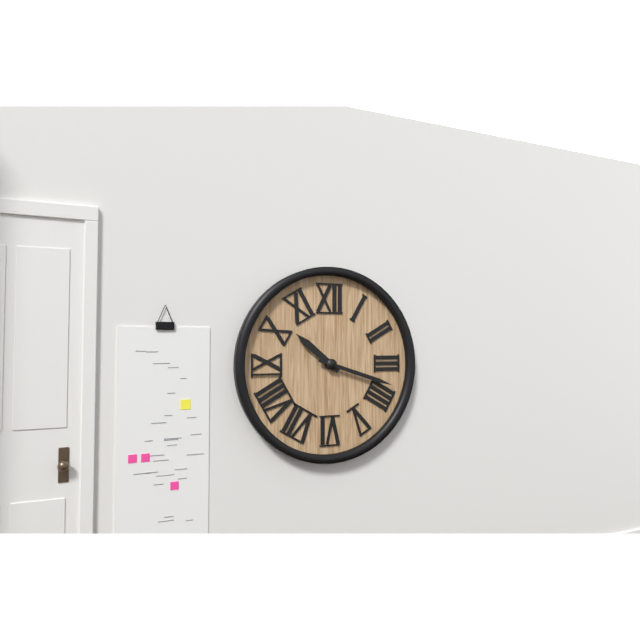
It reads 10:18
